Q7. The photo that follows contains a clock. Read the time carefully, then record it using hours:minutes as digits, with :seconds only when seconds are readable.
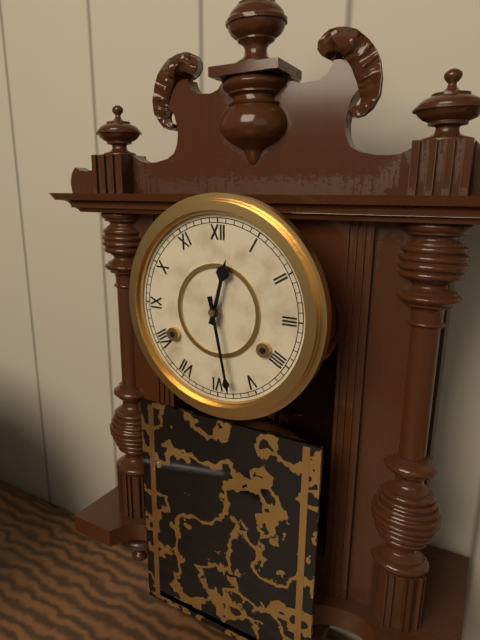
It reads 12:28
